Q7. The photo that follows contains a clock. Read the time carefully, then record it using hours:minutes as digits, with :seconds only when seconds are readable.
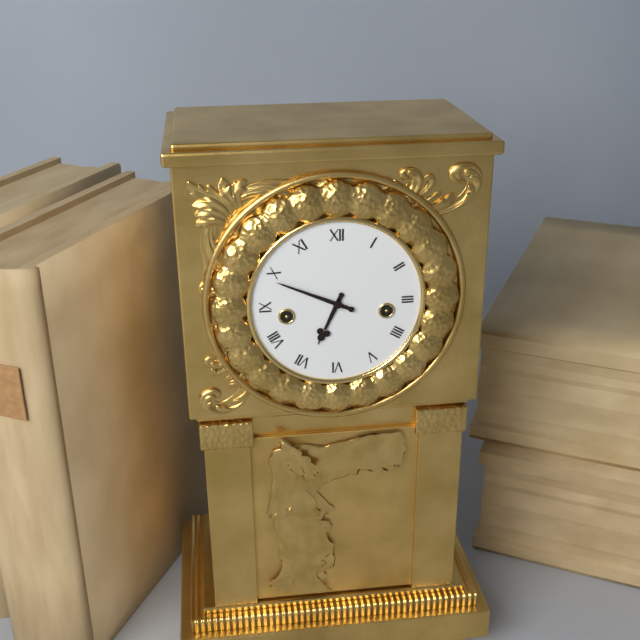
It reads 6:49
